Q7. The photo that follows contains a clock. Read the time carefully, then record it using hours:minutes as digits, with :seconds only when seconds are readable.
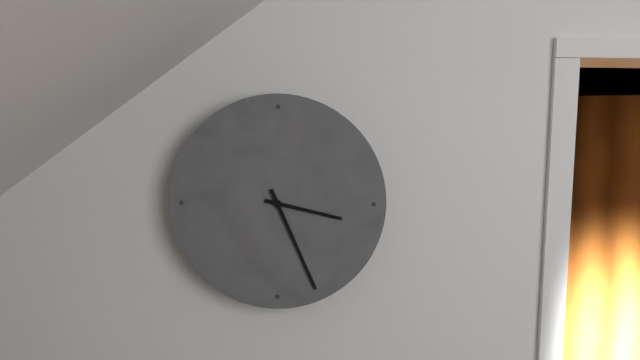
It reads 3:26
